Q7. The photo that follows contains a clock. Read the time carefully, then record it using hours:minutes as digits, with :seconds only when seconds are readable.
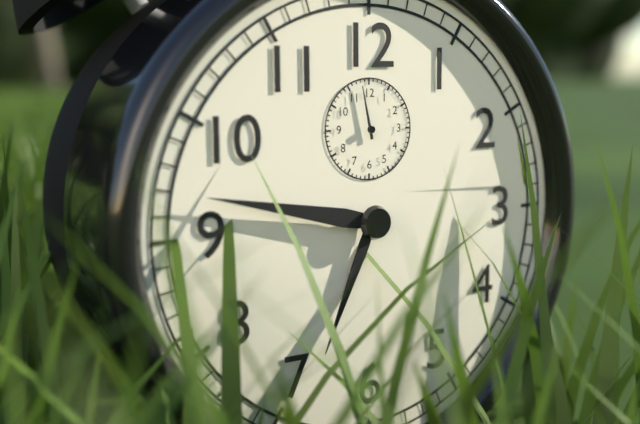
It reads 6:47:58
